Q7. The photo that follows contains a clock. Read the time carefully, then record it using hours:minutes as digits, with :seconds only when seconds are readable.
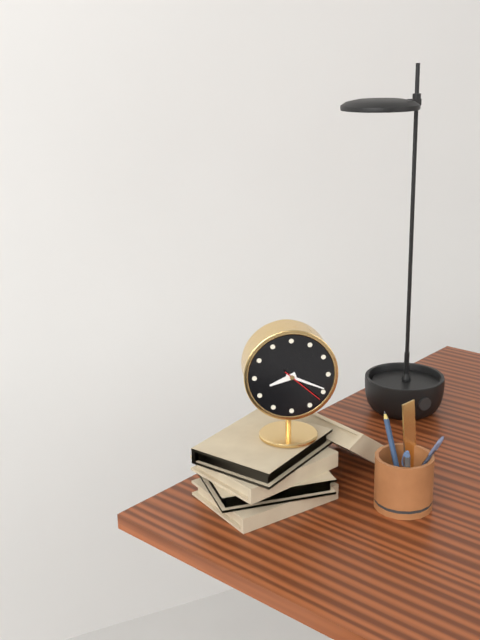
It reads 8:19
